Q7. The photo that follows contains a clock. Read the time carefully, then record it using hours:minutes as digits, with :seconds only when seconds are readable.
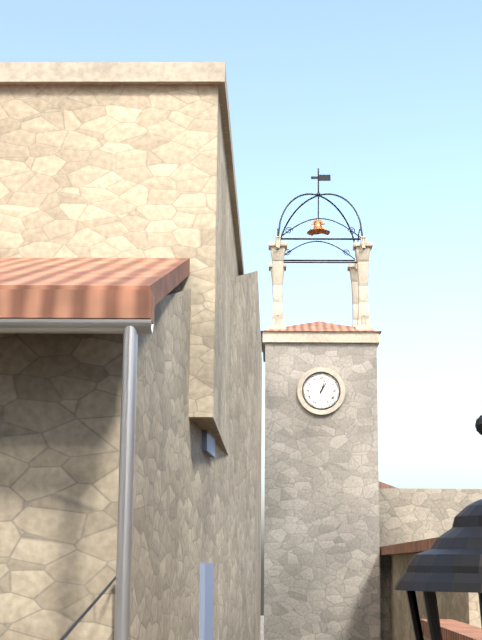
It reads 1:03
